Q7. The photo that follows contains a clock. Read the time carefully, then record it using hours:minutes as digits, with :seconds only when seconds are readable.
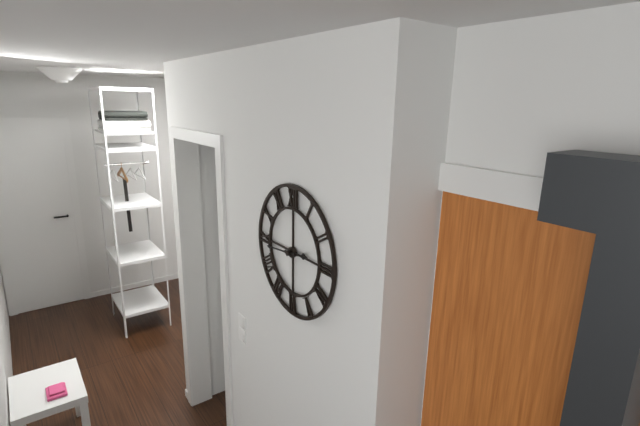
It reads 2:44
